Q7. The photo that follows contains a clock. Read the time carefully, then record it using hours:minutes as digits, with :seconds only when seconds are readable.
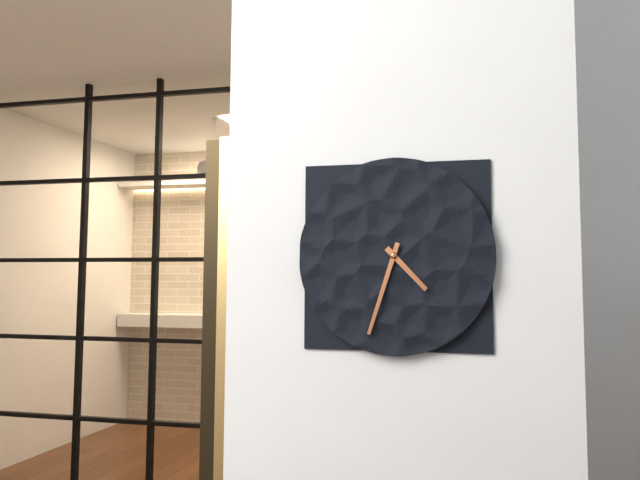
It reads 4:33
